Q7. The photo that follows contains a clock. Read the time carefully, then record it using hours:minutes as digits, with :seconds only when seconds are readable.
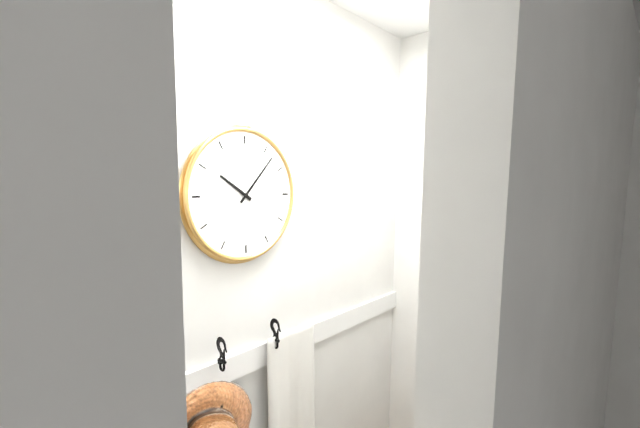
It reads 10:07
